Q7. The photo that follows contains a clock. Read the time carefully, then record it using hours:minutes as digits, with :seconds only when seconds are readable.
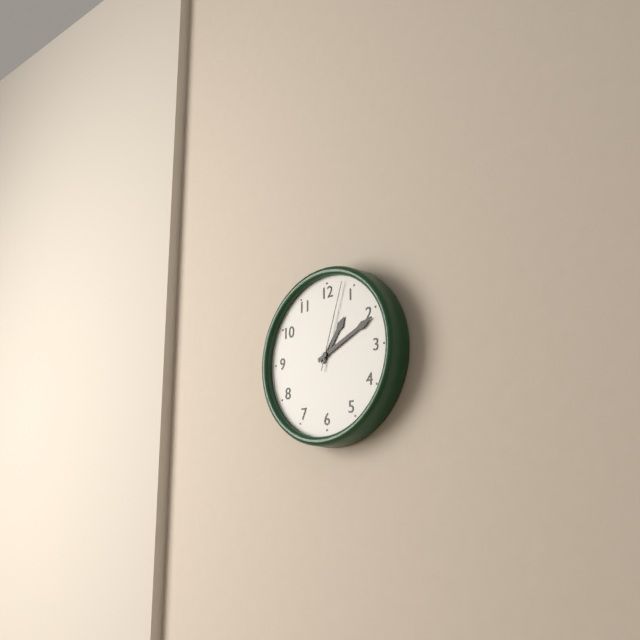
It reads 1:11:03
